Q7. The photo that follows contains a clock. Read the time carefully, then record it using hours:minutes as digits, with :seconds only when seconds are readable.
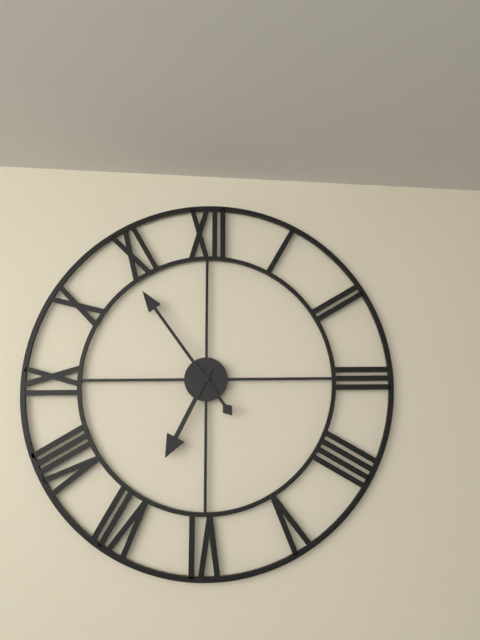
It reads 6:54
